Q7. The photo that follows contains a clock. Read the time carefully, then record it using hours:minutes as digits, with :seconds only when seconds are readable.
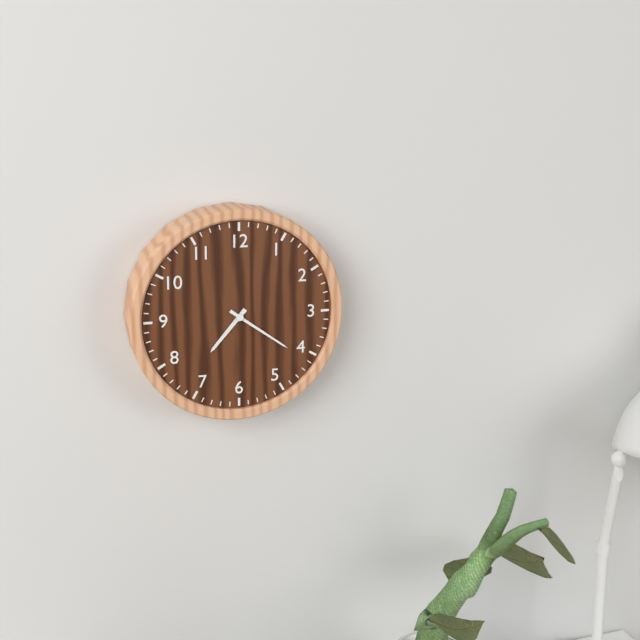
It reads 7:21
